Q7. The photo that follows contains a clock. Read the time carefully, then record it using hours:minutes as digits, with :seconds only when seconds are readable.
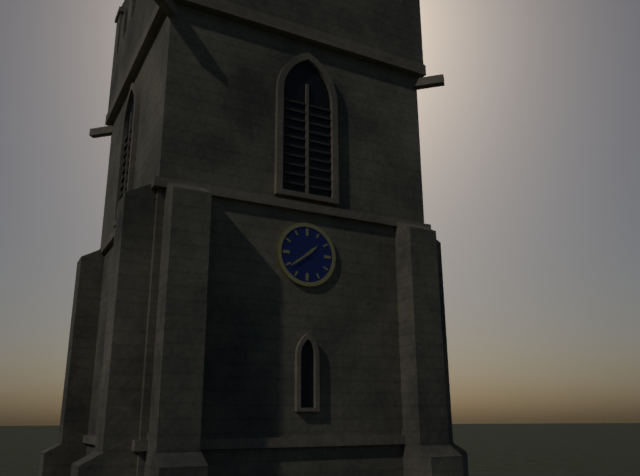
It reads 1:39
